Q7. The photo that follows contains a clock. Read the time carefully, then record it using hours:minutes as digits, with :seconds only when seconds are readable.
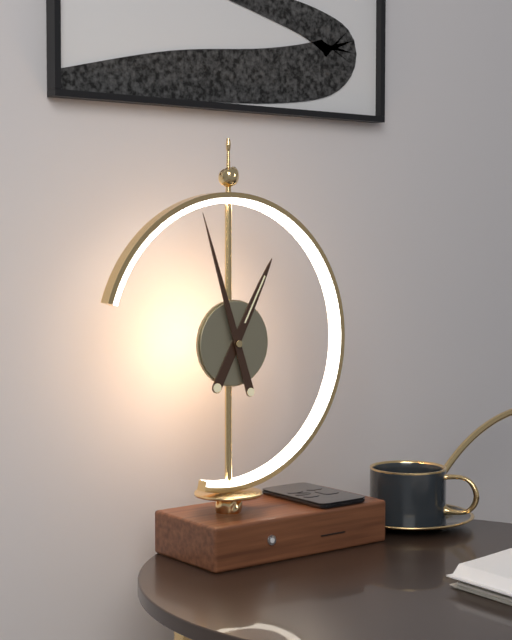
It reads 12:57
